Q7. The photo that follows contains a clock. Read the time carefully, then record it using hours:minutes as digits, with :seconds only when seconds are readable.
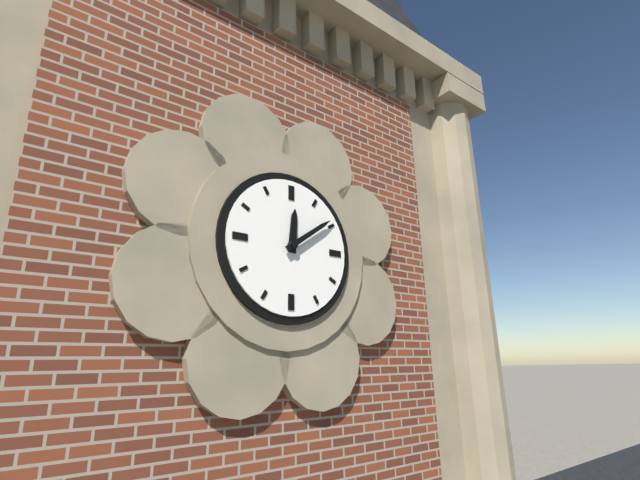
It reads 12:09
